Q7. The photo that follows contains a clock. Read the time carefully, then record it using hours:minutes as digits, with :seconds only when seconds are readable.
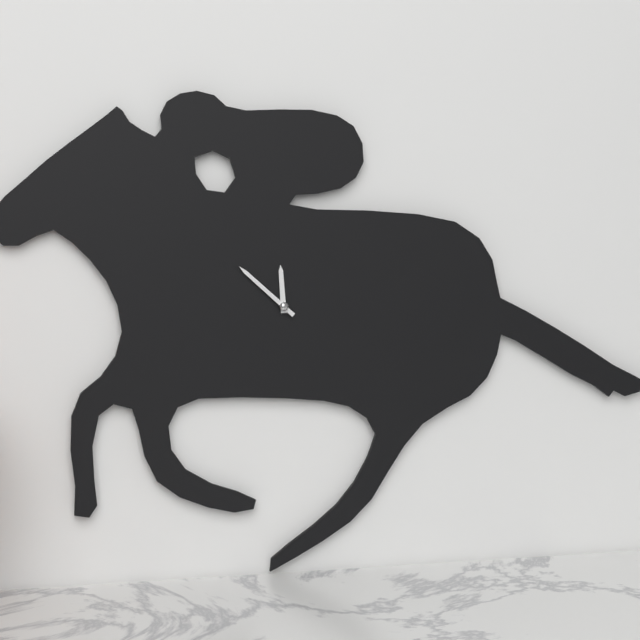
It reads 11:52
